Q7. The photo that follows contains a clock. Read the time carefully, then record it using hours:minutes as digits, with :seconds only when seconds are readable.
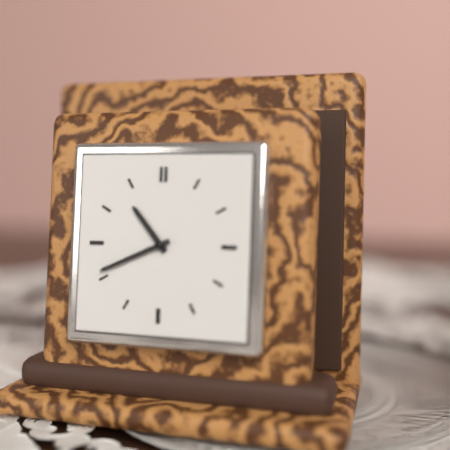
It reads 10:41
